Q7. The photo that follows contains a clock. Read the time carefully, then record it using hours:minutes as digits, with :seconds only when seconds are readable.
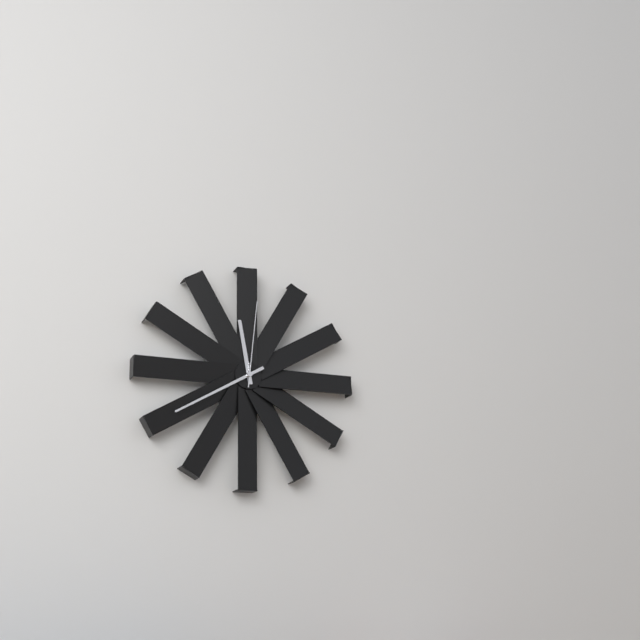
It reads 11:40:01
